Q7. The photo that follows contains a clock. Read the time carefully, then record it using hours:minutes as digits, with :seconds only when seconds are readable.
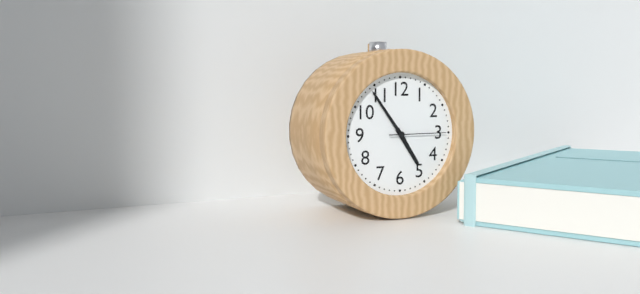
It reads 4:54:15
